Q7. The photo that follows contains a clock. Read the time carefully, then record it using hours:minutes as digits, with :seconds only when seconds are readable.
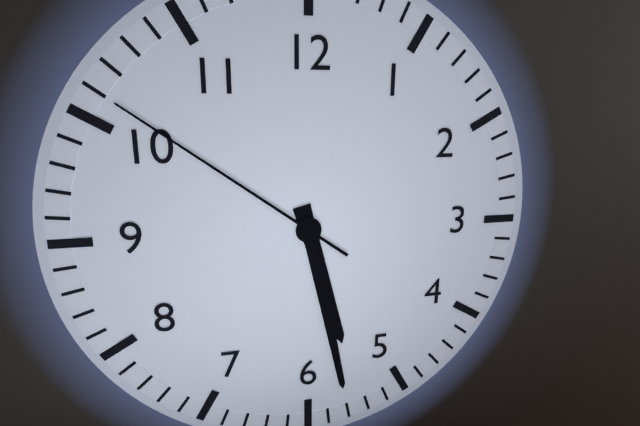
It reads 5:28:51
